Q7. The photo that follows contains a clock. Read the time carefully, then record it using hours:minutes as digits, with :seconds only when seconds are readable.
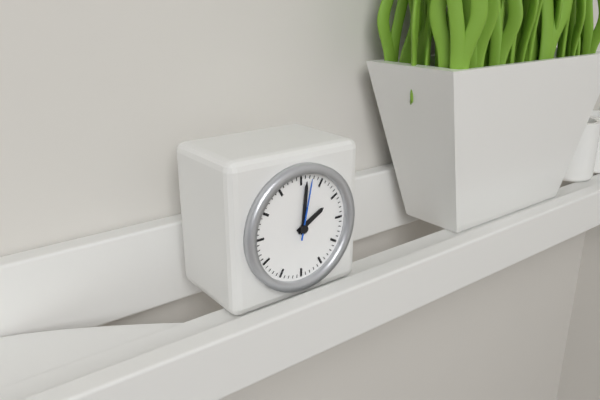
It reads 2:01:02
